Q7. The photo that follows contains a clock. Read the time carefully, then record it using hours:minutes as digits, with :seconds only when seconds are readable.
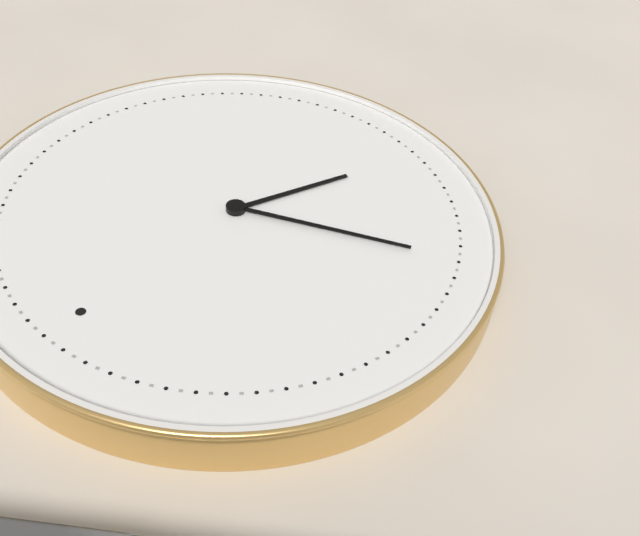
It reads 6:41
